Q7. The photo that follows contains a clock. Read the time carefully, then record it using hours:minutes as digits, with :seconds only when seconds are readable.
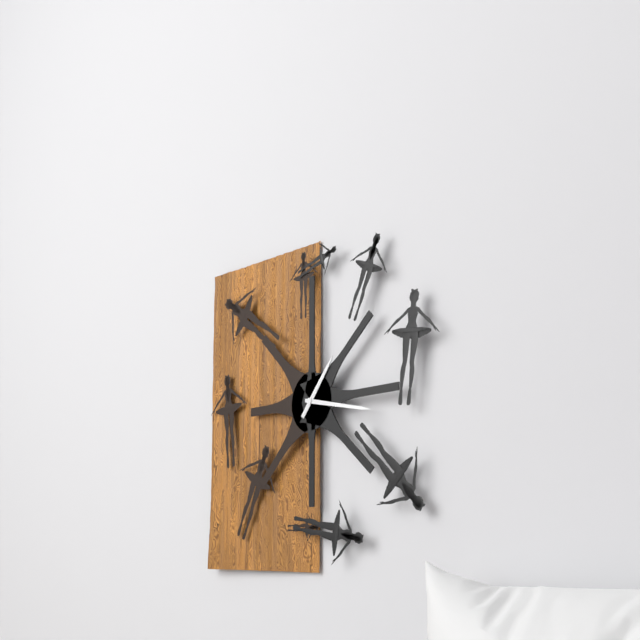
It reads 1:17
